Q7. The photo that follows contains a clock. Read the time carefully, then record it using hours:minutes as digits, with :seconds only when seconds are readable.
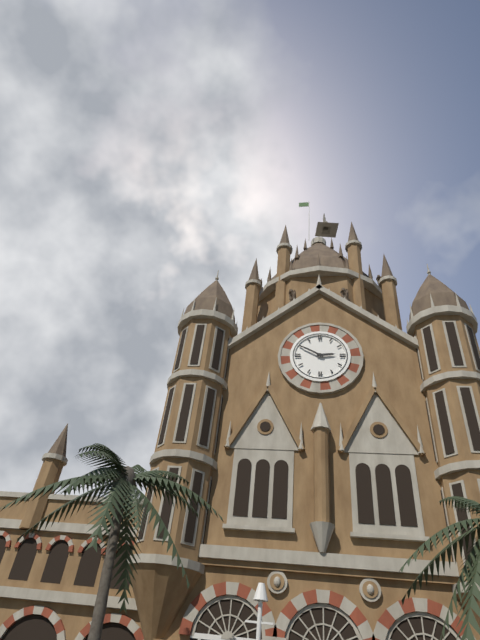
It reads 2:50
